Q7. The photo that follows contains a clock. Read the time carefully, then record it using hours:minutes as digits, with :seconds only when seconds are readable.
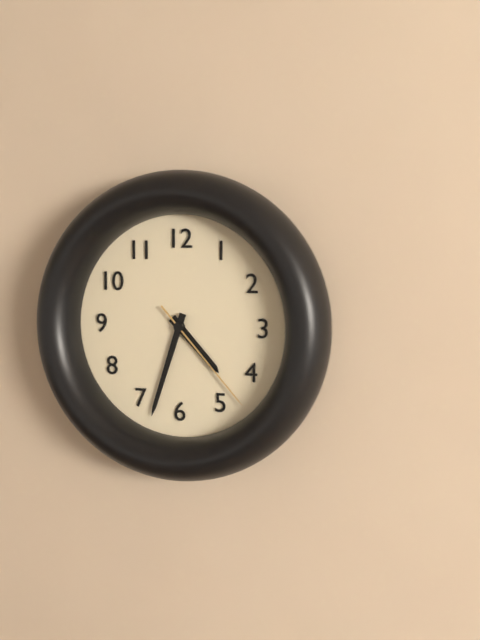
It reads 4:33:23
